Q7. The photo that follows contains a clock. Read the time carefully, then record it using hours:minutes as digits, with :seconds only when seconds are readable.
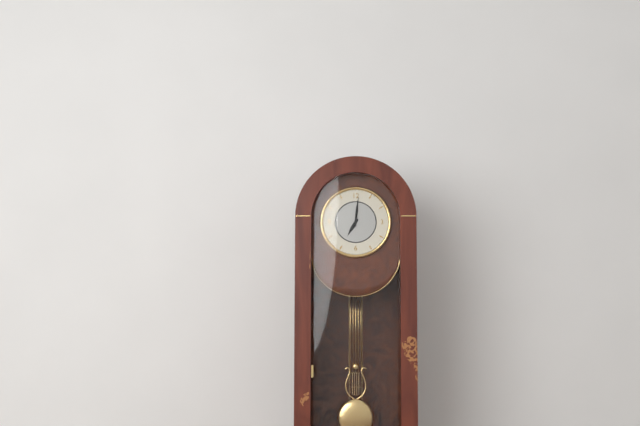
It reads 7:01
